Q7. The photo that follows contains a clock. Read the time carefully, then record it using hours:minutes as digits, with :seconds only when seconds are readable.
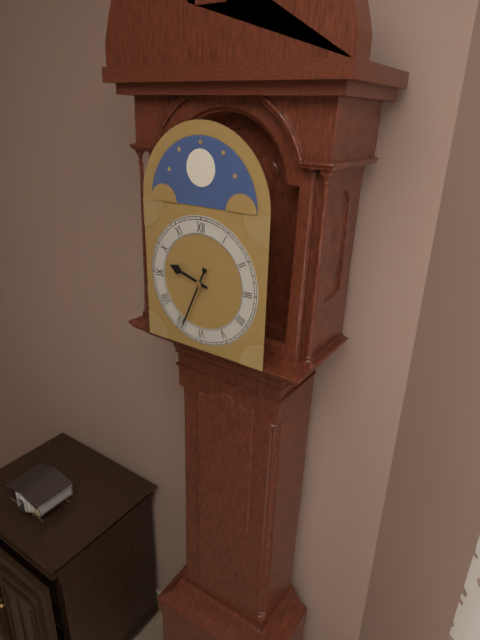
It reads 9:34
